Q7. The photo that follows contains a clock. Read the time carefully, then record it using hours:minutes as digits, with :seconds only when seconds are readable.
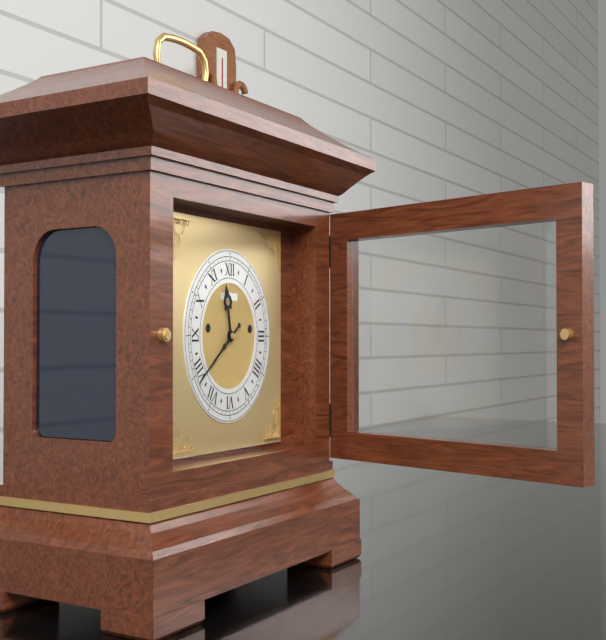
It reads 11:39
